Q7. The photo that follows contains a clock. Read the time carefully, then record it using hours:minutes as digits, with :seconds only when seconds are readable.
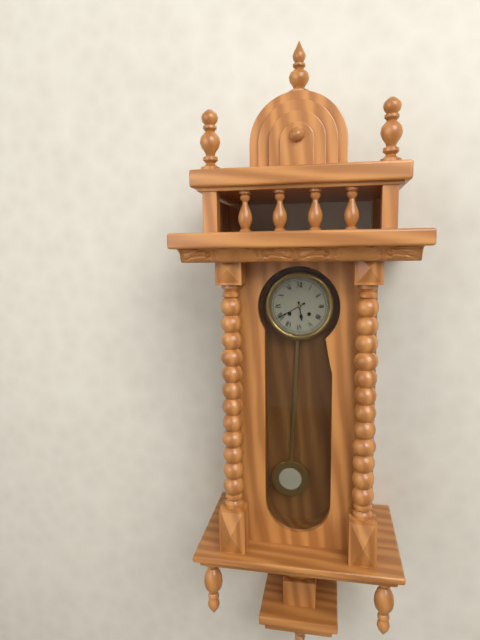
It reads 5:40
